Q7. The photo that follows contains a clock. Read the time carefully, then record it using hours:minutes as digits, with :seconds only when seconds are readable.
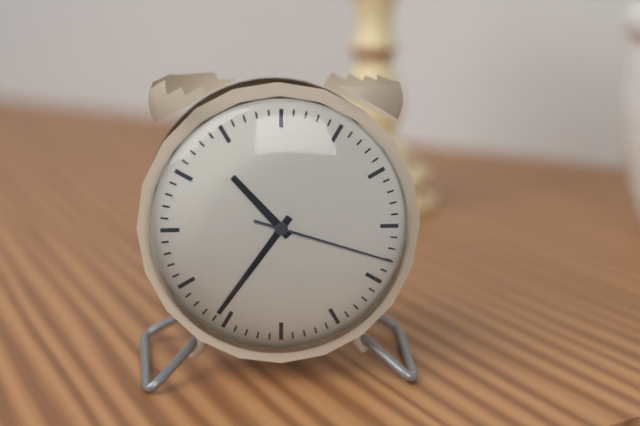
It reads 10:36:18
